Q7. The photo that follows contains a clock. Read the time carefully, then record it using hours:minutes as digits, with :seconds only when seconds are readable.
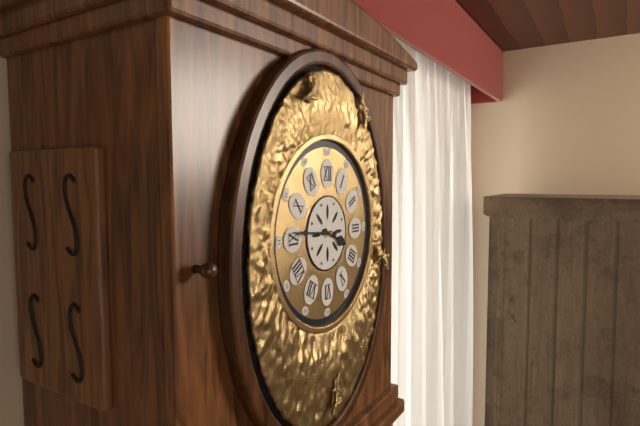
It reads 3:46
